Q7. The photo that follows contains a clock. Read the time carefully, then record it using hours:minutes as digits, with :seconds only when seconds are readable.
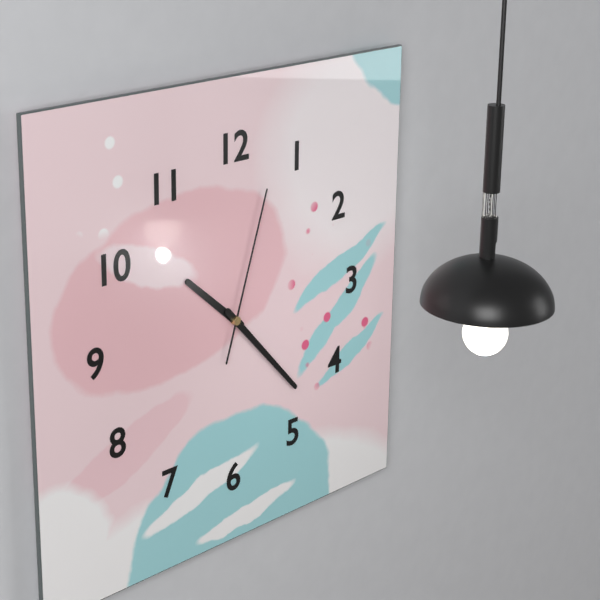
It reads 10:23:03
